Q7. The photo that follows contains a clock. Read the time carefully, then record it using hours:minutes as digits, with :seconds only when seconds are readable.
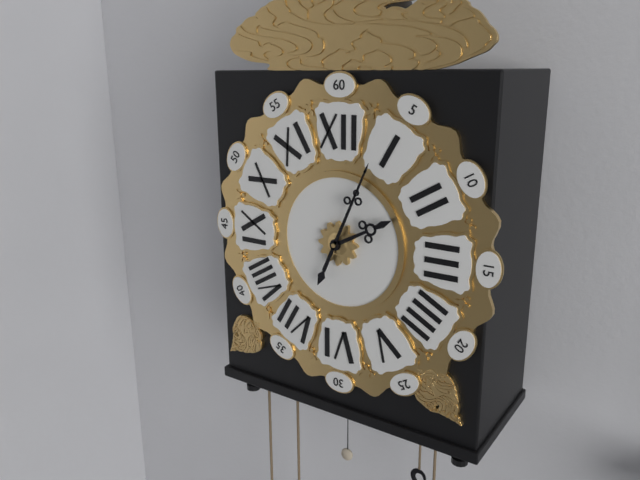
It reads 2:04
